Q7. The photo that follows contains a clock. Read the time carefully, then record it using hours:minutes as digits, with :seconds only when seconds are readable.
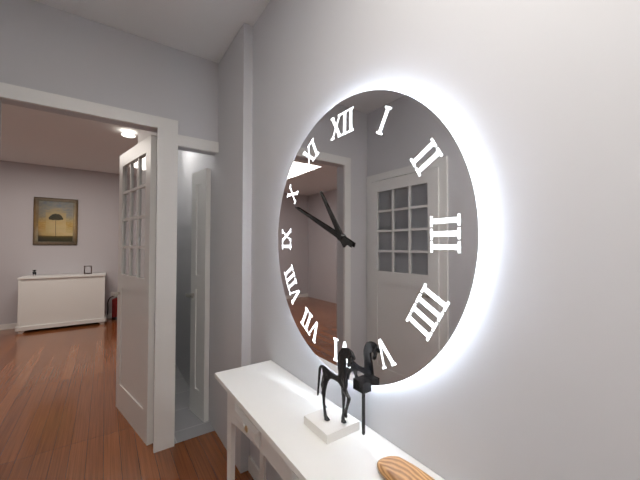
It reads 10:49
